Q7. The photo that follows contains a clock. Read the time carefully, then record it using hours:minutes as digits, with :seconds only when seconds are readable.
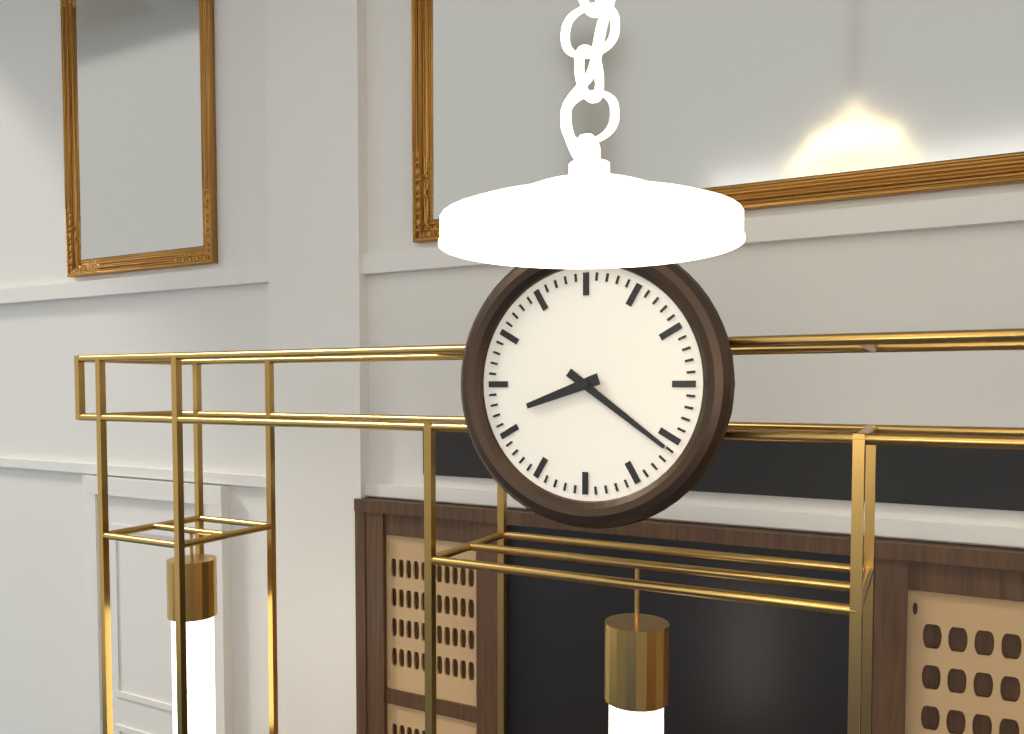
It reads 8:21
